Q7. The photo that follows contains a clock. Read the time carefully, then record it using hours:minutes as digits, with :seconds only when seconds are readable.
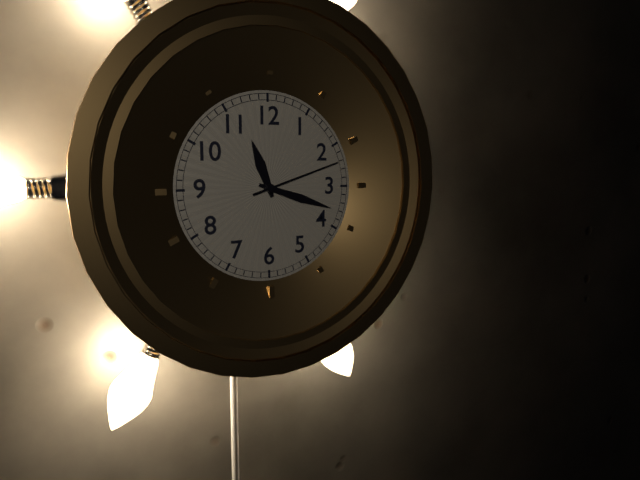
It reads 11:18:12
